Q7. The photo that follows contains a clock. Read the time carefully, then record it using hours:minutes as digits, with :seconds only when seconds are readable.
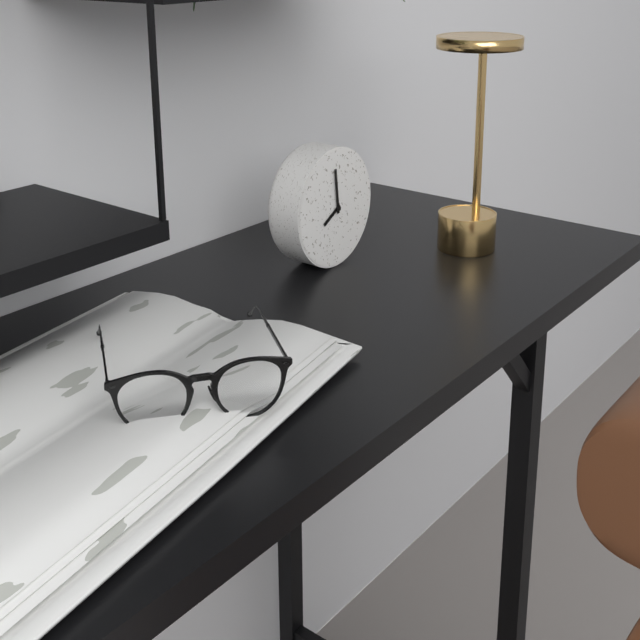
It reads 7:59
